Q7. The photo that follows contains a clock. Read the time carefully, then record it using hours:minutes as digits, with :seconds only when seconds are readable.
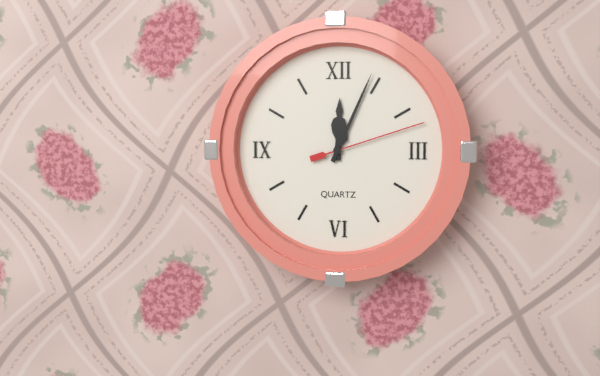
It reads 12:04:12
